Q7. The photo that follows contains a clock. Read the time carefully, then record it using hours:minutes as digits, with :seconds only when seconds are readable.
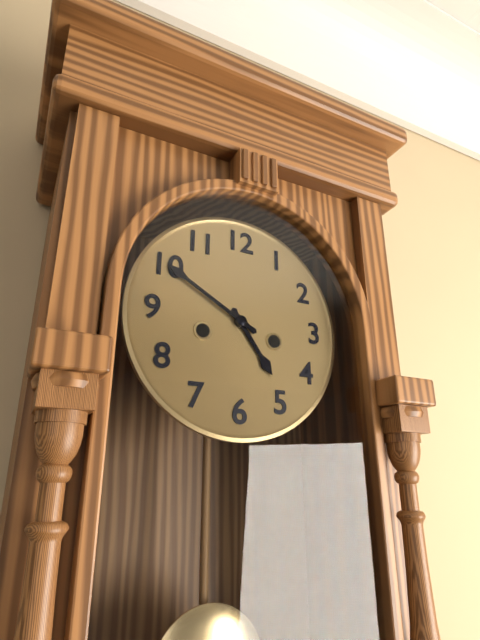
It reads 4:50
